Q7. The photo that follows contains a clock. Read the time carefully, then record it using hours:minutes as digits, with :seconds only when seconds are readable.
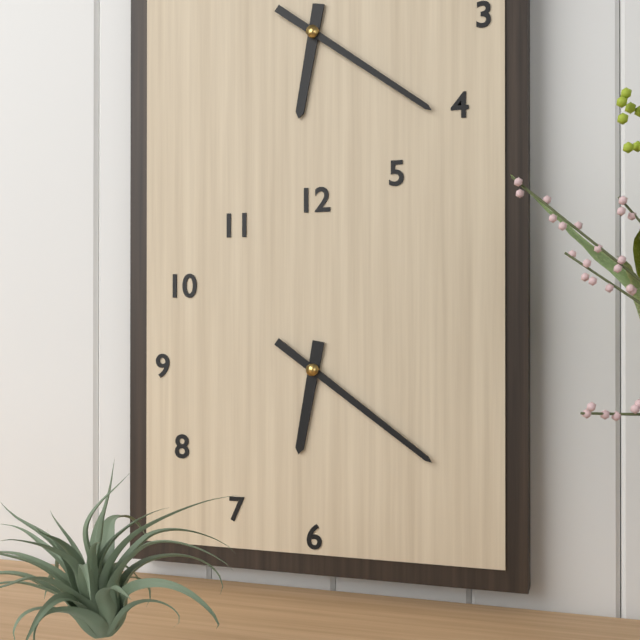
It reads 6:21
